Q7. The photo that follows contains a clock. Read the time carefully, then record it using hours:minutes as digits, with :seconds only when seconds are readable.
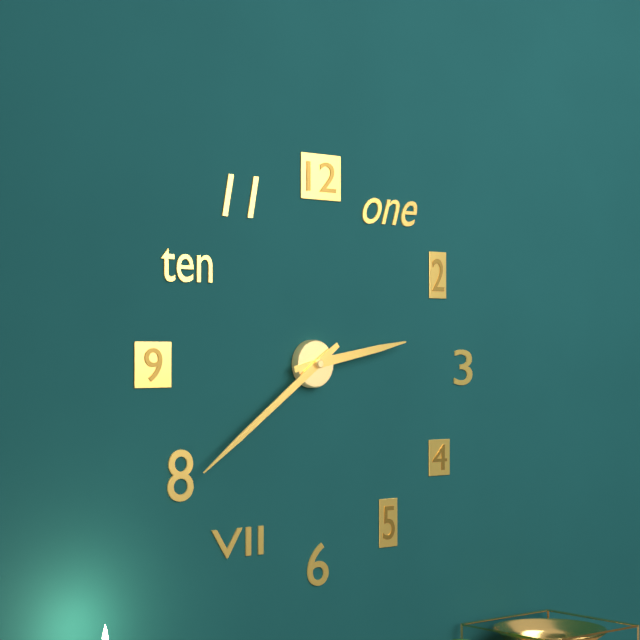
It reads 2:39
